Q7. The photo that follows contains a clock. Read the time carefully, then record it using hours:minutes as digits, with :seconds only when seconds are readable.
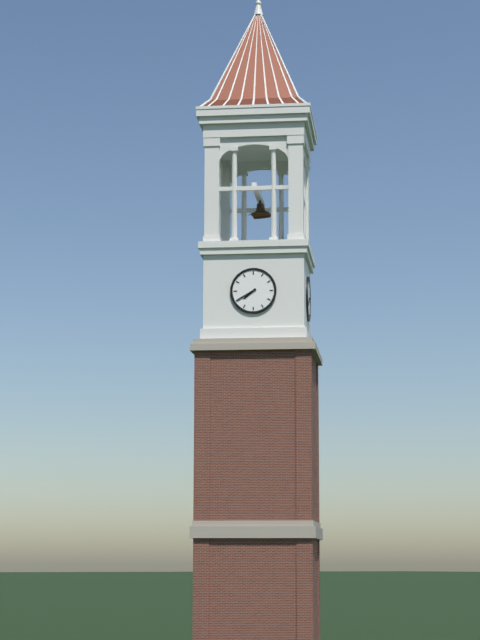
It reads 7:40
